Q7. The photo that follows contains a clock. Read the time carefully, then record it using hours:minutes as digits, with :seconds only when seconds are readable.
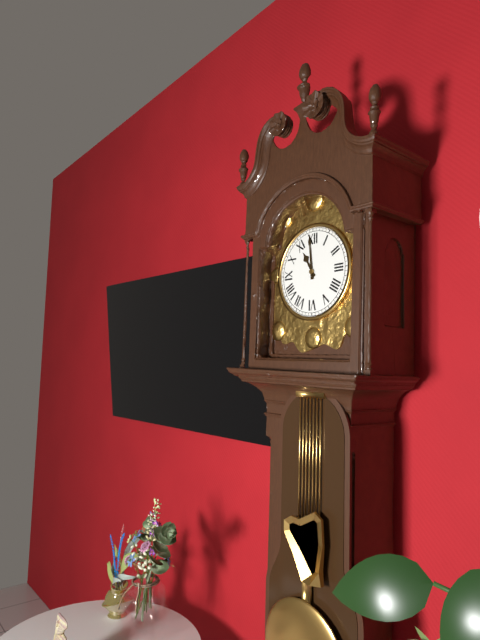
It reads 10:59
